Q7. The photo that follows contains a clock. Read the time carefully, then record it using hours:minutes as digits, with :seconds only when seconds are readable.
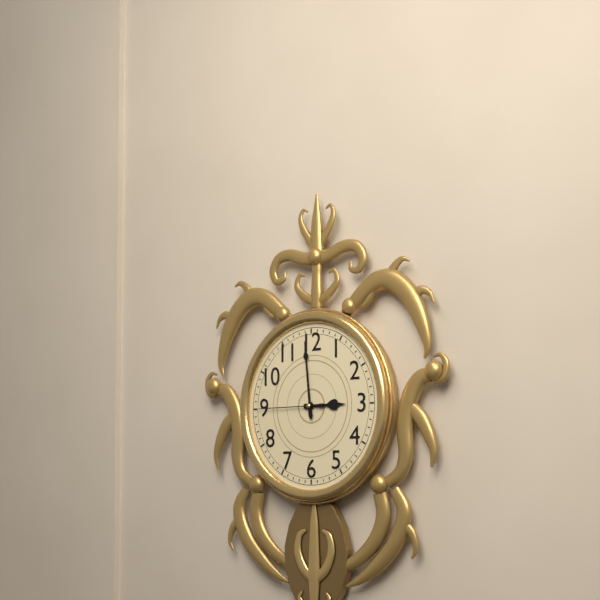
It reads 2:59:45
